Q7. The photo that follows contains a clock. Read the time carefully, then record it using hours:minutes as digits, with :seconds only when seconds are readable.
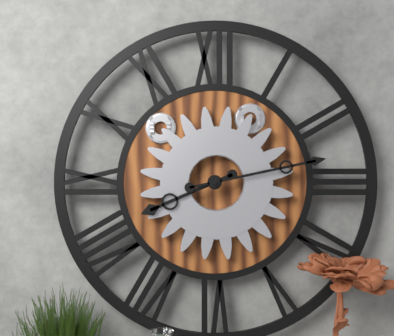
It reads 8:13
